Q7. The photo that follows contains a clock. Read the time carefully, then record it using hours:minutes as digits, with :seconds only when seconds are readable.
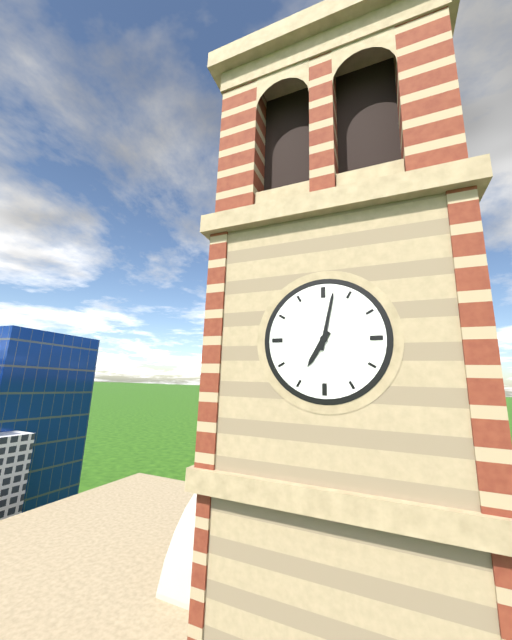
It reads 7:02
